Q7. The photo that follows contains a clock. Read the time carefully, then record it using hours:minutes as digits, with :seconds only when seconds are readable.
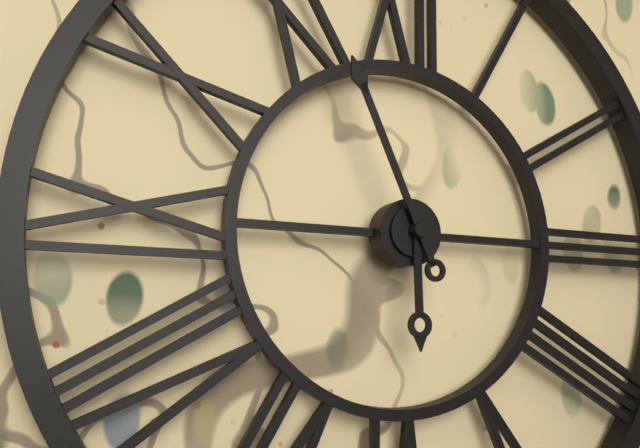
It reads 5:56
